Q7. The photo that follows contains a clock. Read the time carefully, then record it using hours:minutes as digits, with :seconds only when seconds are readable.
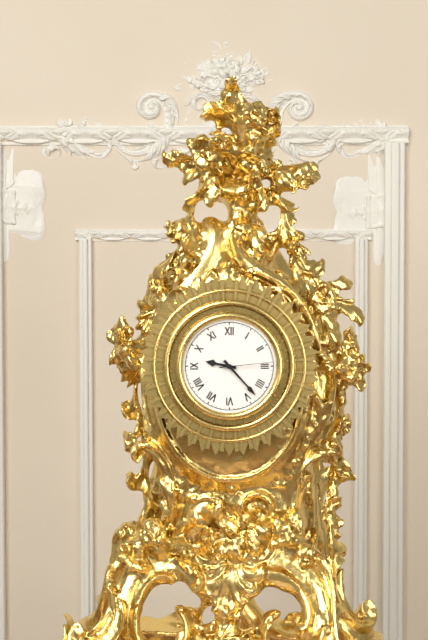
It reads 9:23:14
